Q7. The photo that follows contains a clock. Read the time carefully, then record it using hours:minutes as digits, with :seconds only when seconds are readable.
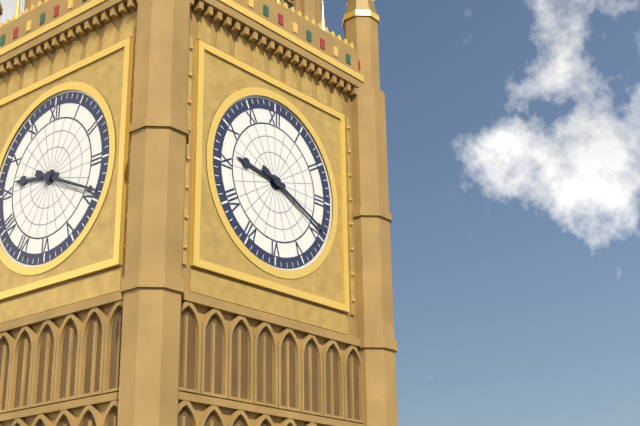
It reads 9:19
